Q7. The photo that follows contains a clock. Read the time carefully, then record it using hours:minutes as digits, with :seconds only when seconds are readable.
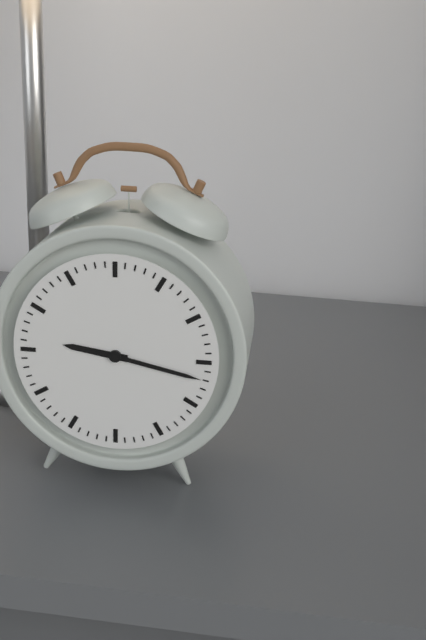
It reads 9:17
